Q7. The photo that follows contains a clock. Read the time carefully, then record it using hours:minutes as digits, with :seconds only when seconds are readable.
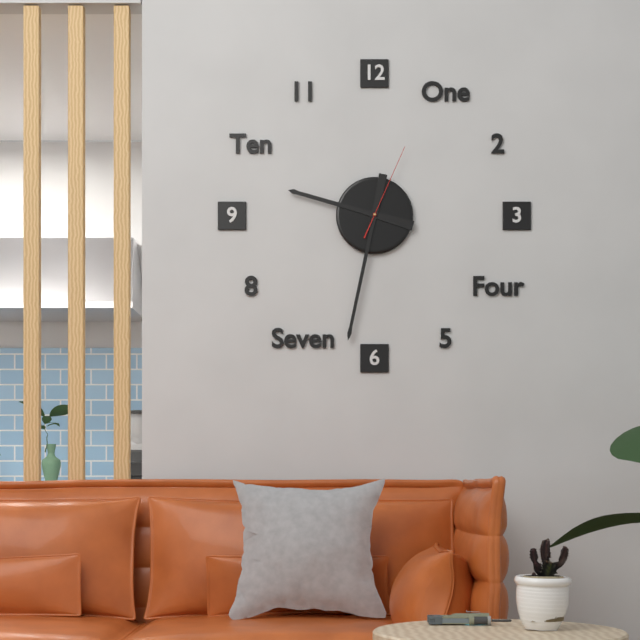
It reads 9:32:04
